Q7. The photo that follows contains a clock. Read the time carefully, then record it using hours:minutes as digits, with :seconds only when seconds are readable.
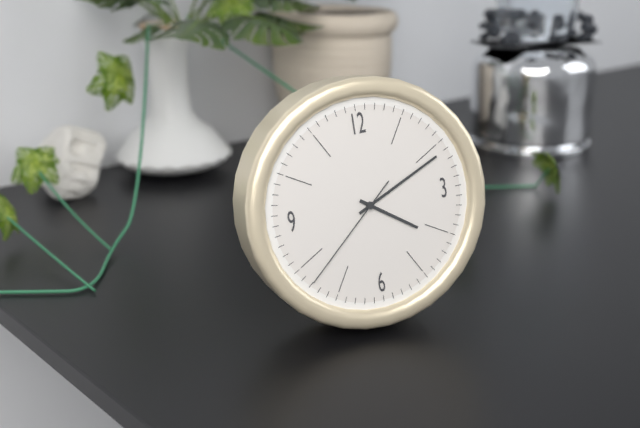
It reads 4:11:38
